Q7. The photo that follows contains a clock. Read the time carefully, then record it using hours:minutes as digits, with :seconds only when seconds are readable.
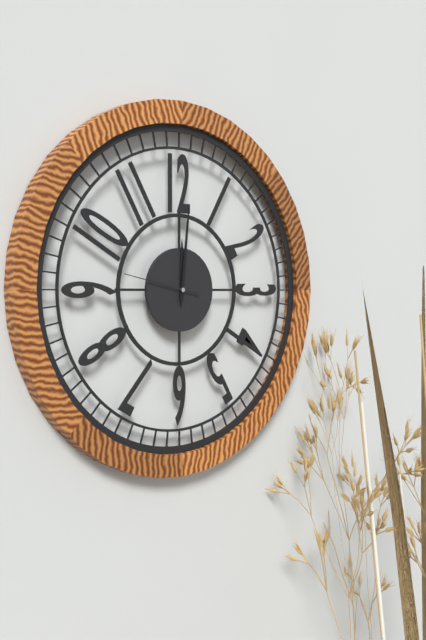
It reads 12:01:47
